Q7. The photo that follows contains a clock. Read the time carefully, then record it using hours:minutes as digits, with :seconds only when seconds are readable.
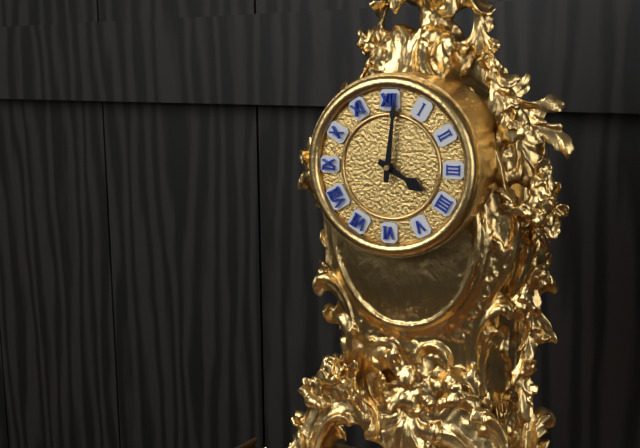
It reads 4:01
